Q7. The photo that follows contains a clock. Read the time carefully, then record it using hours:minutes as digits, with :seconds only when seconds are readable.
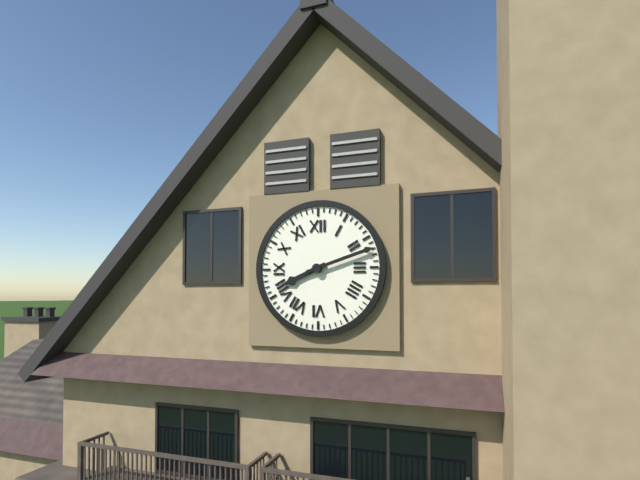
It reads 8:12
